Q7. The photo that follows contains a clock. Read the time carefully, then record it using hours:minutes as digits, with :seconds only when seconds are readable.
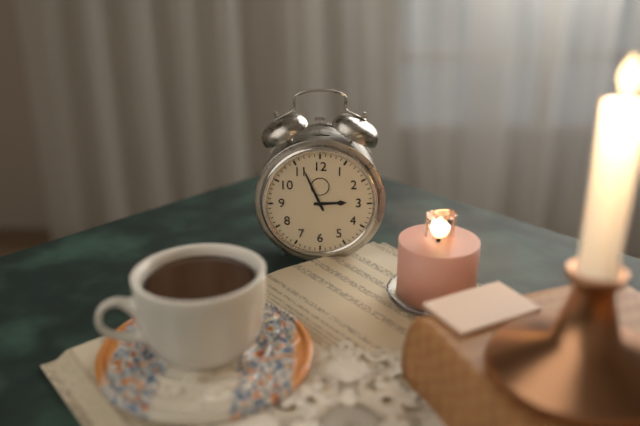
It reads 2:56
